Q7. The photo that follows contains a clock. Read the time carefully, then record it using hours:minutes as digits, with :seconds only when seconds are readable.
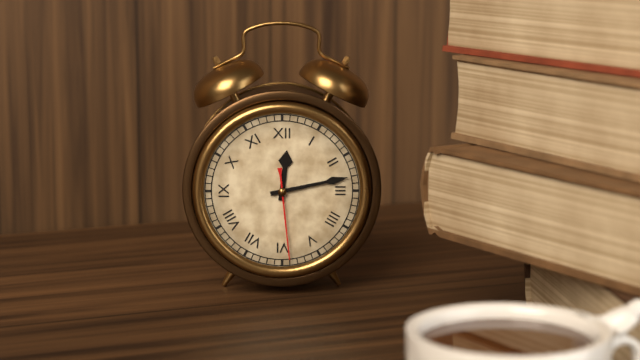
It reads 12:13:29
